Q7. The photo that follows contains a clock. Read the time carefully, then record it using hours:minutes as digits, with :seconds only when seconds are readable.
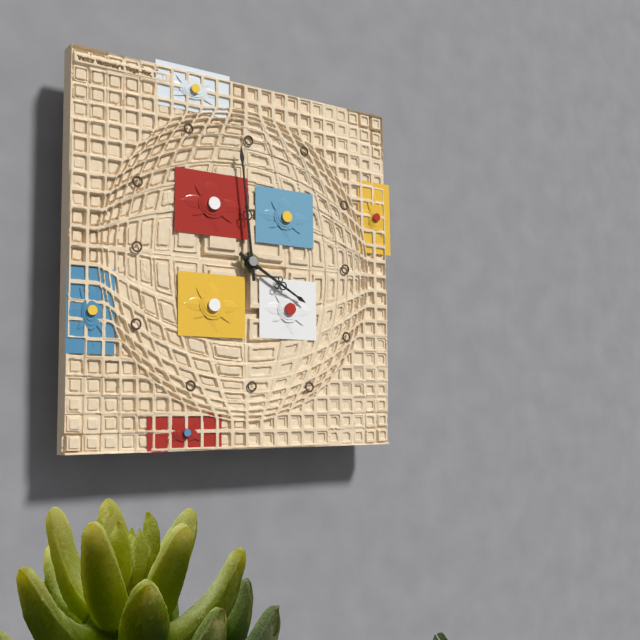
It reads 3:59
